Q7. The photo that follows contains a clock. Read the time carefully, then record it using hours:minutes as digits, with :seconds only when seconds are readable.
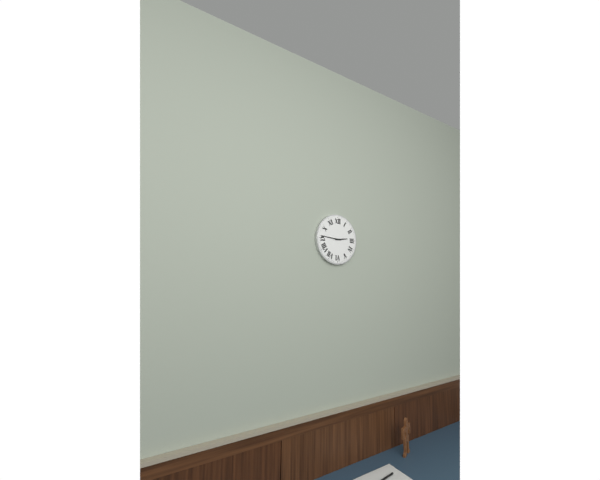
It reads 2:46
